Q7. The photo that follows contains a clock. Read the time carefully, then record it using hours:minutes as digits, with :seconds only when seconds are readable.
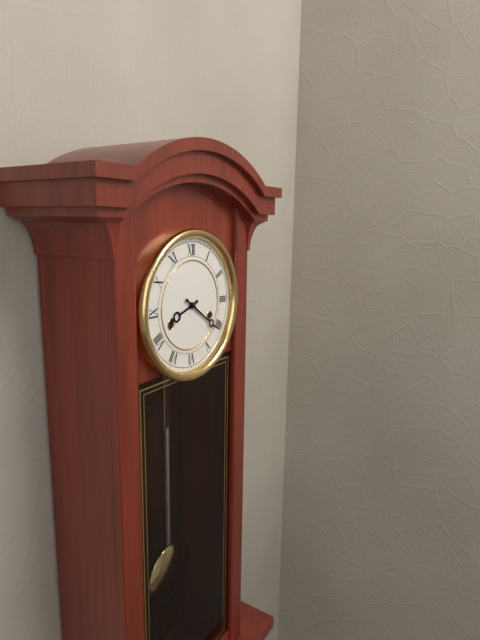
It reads 8:21
